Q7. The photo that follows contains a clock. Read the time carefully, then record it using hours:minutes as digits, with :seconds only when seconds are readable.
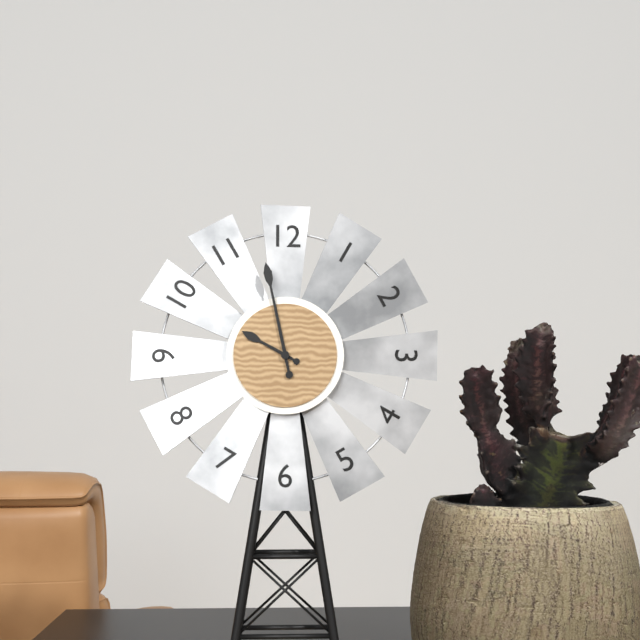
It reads 9:58
